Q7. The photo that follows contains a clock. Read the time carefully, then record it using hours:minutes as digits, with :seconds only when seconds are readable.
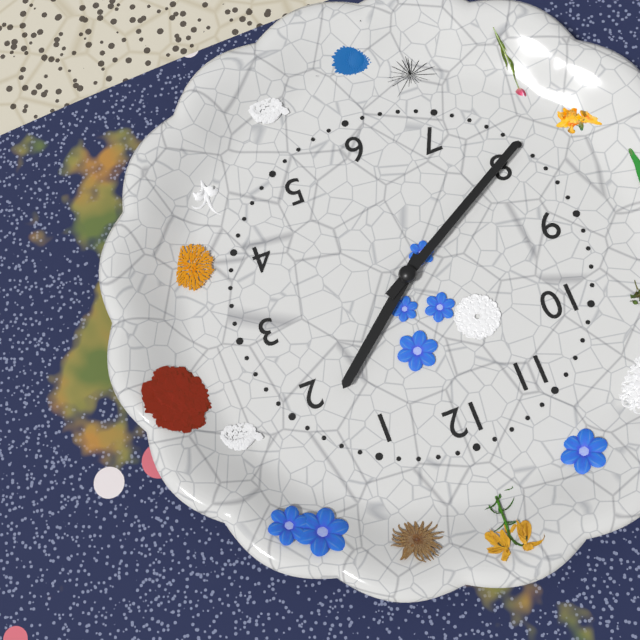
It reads 1:40
